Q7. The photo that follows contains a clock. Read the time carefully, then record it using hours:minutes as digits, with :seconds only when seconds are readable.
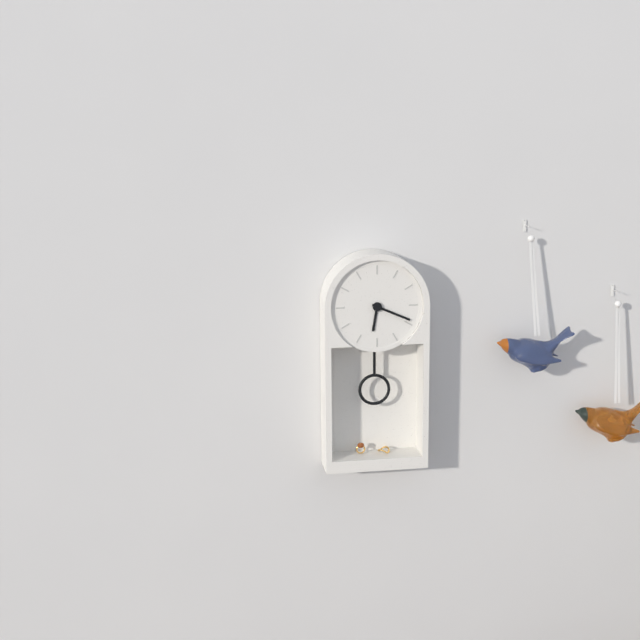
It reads 6:19
